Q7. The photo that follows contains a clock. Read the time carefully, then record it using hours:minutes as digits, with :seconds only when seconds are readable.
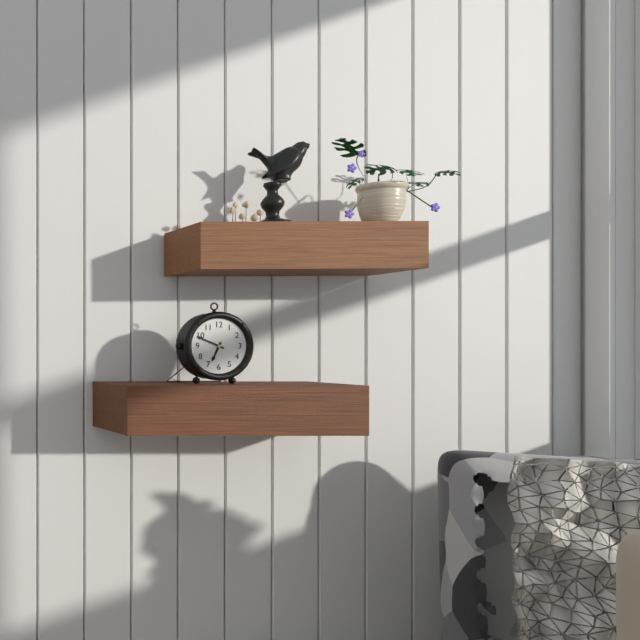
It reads 6:49
